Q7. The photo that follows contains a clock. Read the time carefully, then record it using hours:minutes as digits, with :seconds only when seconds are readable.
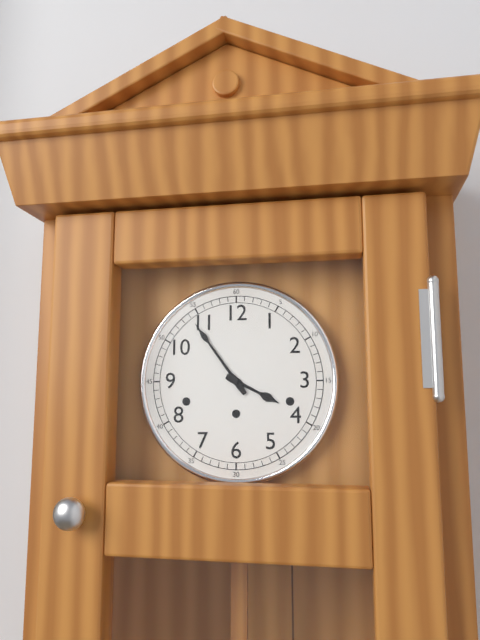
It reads 3:54
